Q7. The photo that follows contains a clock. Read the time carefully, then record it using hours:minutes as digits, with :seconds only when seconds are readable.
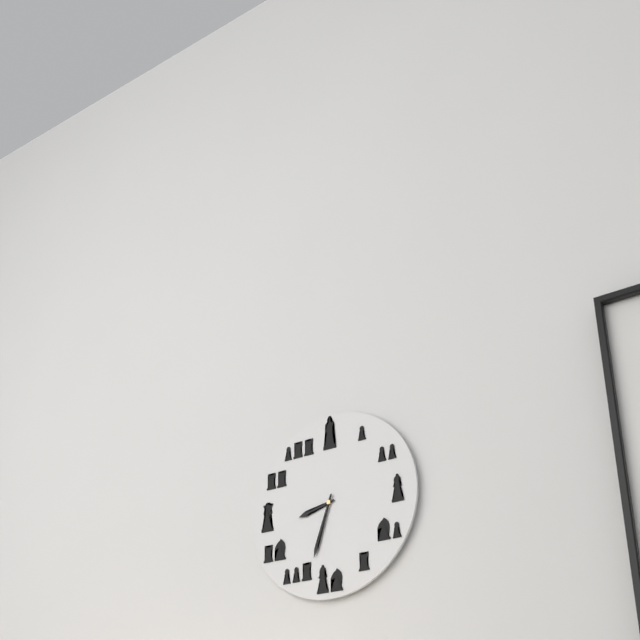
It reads 8:33
